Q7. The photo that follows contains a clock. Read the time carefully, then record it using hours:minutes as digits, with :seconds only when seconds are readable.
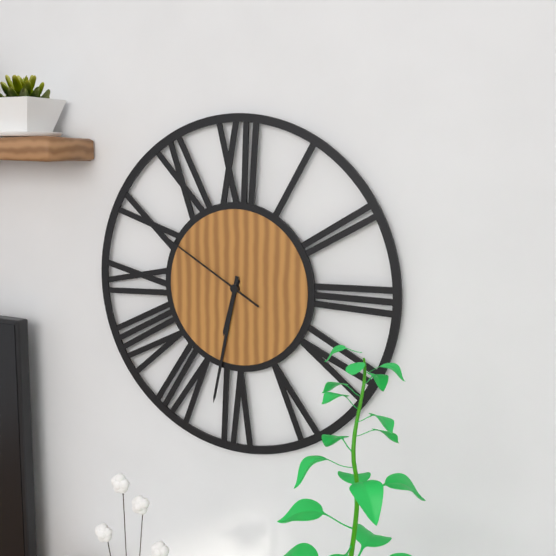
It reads 6:32:50
